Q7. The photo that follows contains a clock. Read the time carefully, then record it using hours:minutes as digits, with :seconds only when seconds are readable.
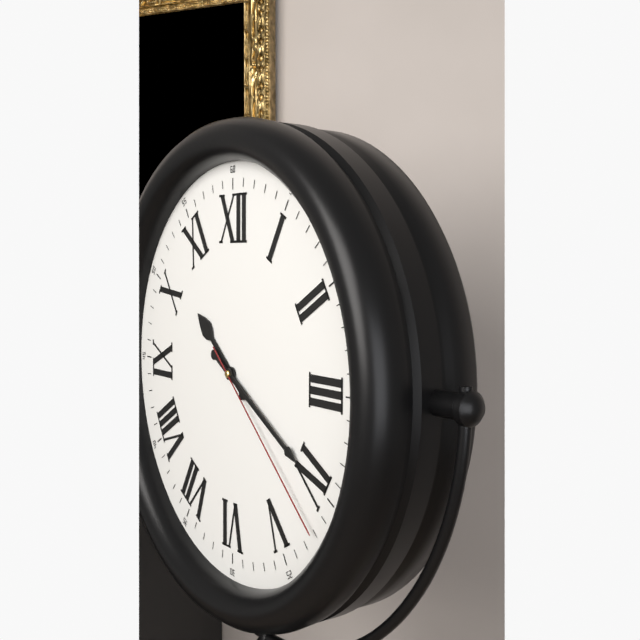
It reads 10:20:22
